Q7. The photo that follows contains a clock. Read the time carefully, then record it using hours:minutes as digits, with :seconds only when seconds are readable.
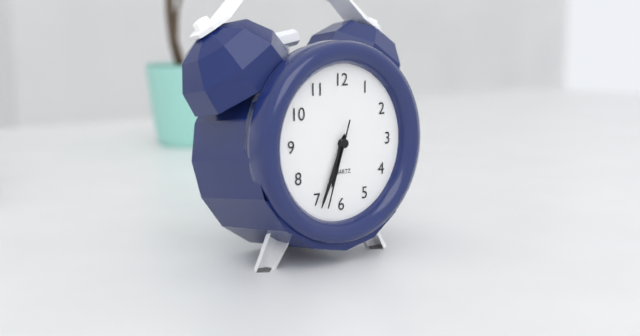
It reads 6:34:33
